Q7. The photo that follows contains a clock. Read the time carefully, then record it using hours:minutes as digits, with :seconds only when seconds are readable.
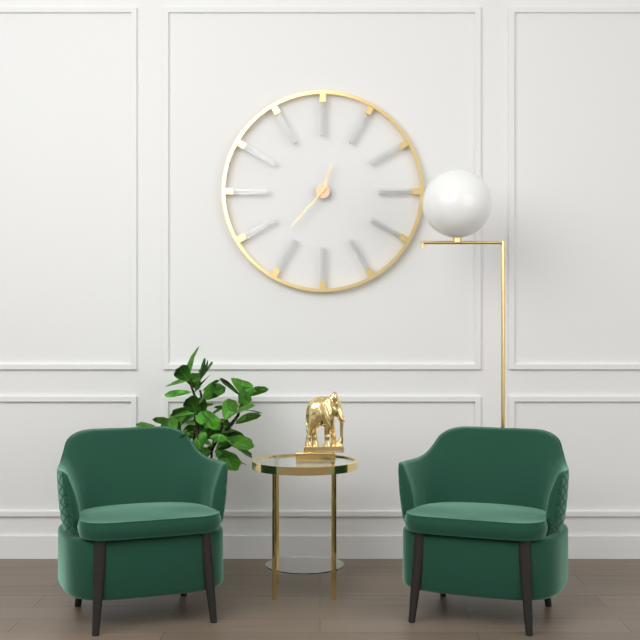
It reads 12:37
